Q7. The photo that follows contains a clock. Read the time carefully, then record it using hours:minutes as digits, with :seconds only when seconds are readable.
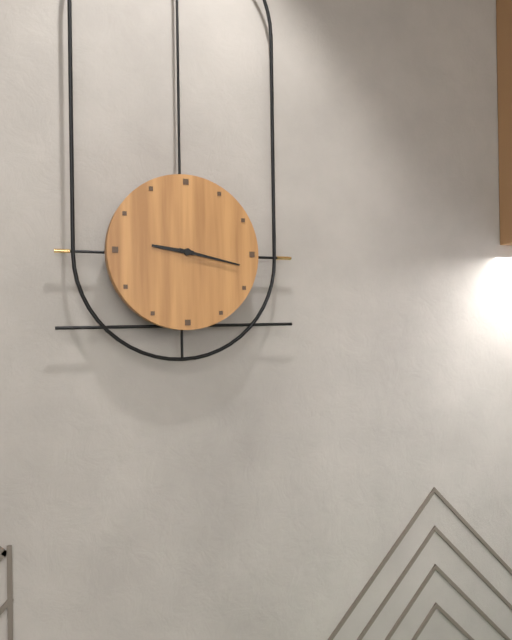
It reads 9:17
